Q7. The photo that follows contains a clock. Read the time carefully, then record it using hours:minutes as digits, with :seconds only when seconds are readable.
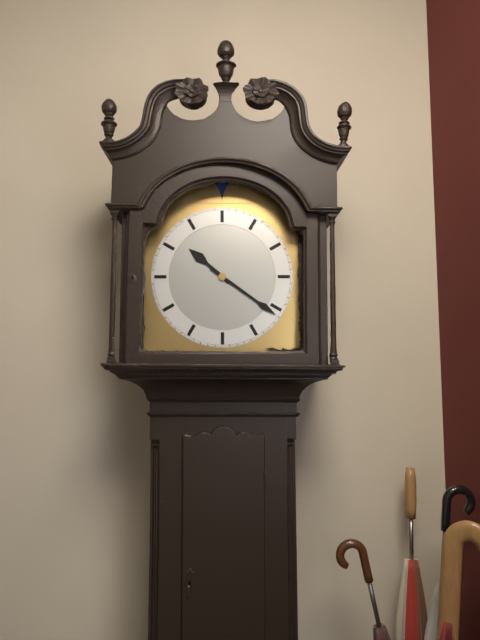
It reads 10:21
